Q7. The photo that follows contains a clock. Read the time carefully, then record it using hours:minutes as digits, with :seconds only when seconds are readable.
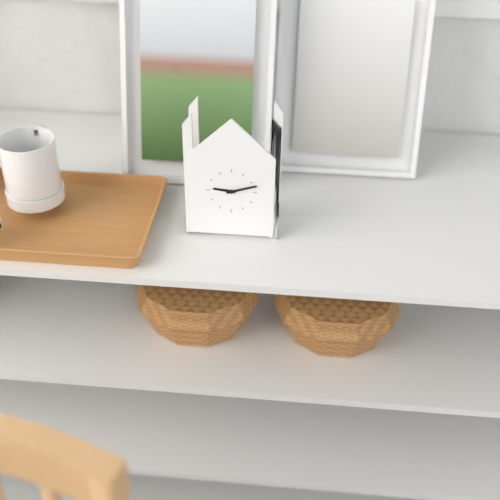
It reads 9:12
